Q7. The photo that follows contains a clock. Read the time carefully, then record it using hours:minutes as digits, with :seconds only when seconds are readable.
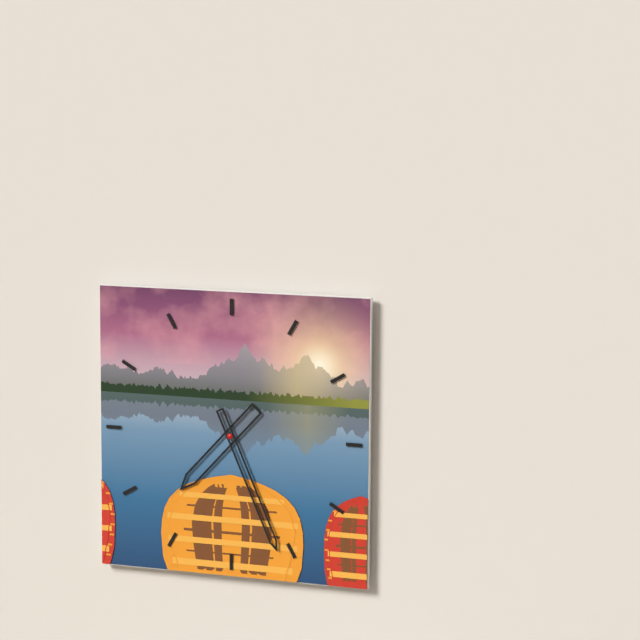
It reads 7:26
